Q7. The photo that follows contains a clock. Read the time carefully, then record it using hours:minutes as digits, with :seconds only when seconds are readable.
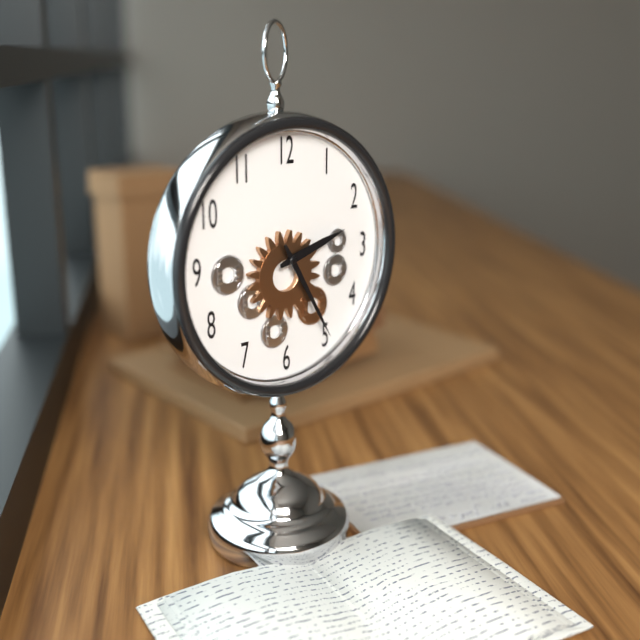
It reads 2:25
